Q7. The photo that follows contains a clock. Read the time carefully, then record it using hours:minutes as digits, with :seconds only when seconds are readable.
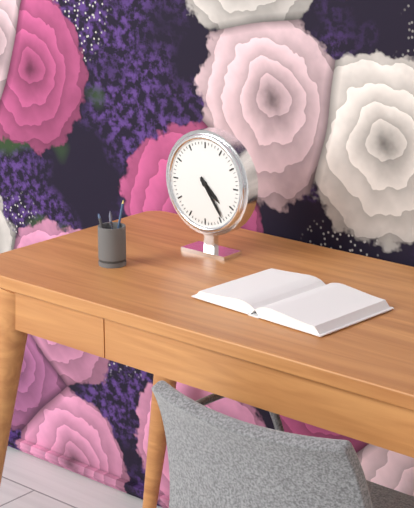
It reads 4:24
